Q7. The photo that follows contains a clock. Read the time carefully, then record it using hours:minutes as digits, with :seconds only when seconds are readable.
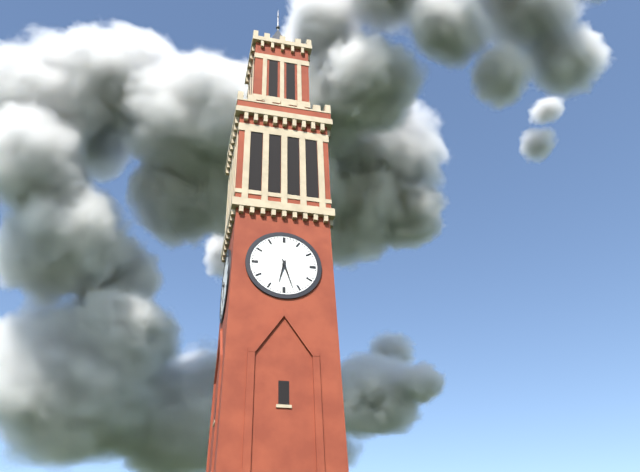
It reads 6:27
